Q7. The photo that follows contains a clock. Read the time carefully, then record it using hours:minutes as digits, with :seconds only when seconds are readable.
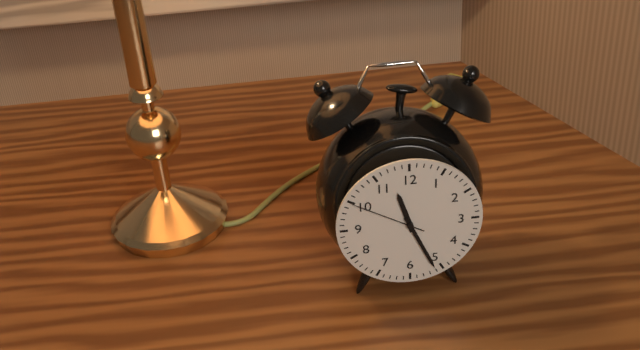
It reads 11:26:50
